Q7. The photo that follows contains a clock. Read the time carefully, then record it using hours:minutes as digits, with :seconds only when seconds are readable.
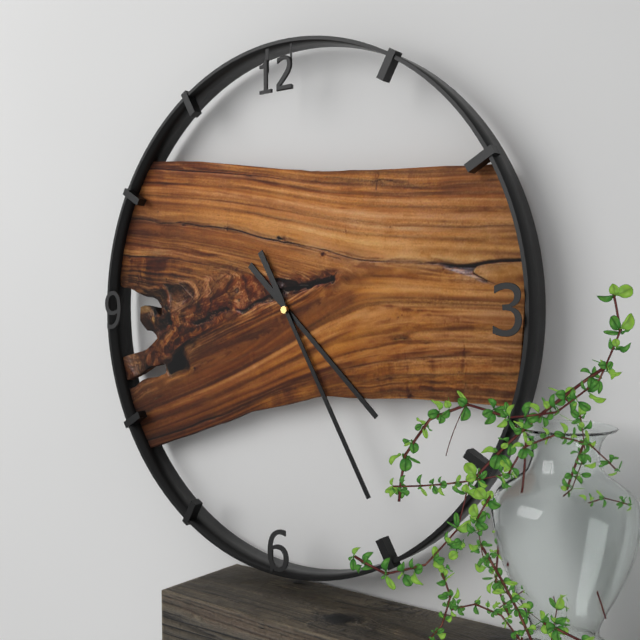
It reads 4:25
